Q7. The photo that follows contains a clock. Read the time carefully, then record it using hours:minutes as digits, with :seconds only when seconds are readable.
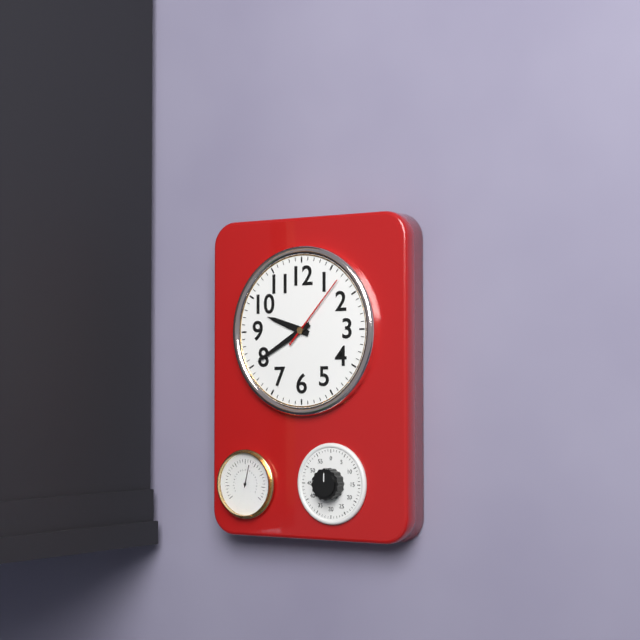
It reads 9:40:07
